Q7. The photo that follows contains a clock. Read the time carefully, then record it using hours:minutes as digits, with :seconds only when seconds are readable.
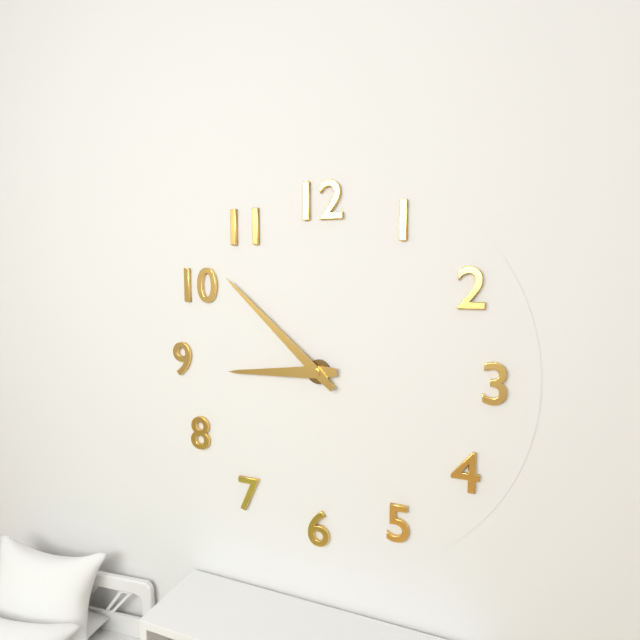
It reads 8:52
